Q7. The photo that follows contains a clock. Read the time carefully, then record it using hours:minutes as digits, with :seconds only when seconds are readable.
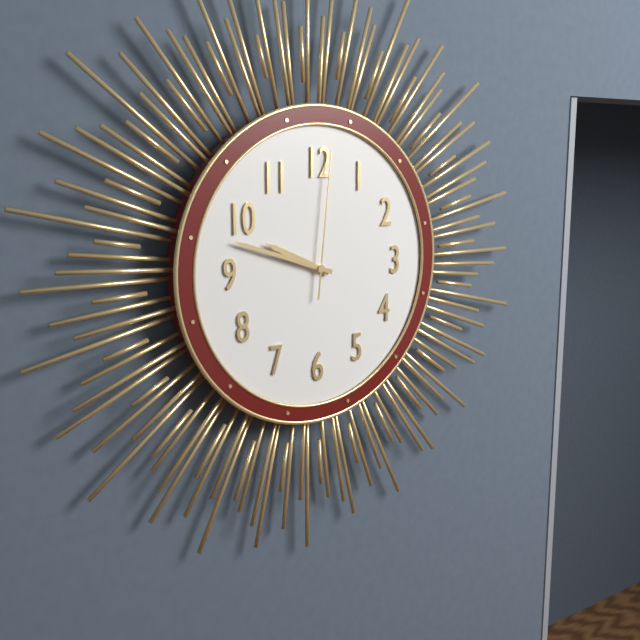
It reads 9:48:01
